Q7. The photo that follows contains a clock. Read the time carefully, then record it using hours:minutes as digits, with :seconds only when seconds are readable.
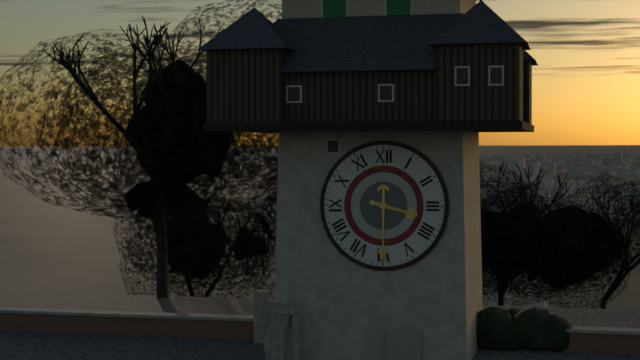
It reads 3:30
